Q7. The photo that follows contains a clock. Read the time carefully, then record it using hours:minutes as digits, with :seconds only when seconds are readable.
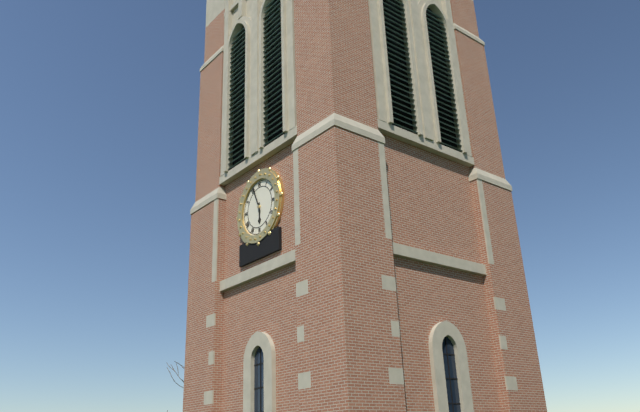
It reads 5:56
